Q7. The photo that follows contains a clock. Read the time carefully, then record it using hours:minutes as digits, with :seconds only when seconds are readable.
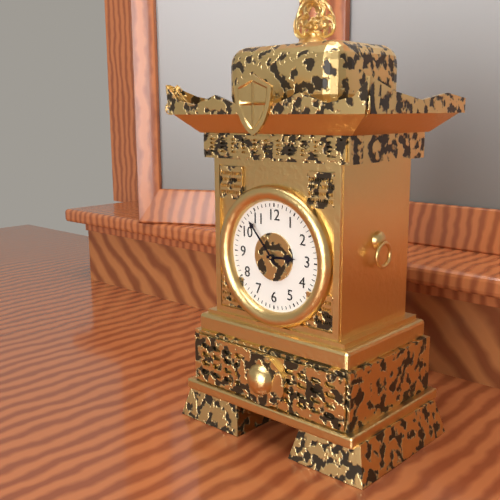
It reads 2:53
